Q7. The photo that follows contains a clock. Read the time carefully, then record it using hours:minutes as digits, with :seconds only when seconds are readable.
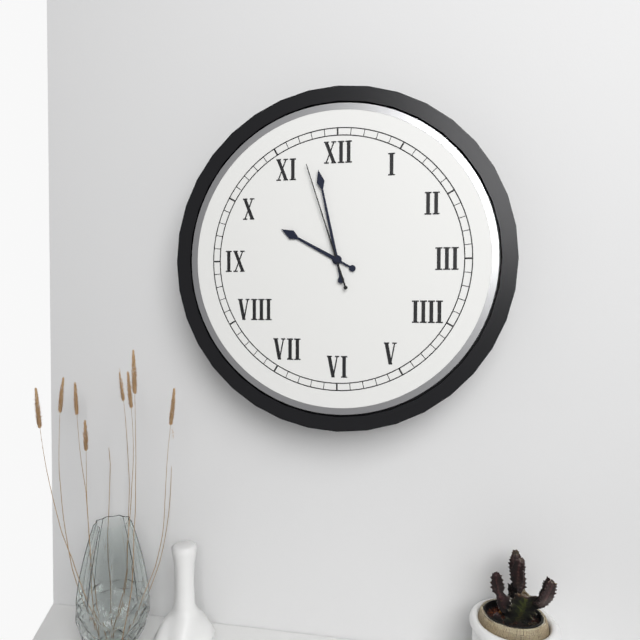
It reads 9:58:57
